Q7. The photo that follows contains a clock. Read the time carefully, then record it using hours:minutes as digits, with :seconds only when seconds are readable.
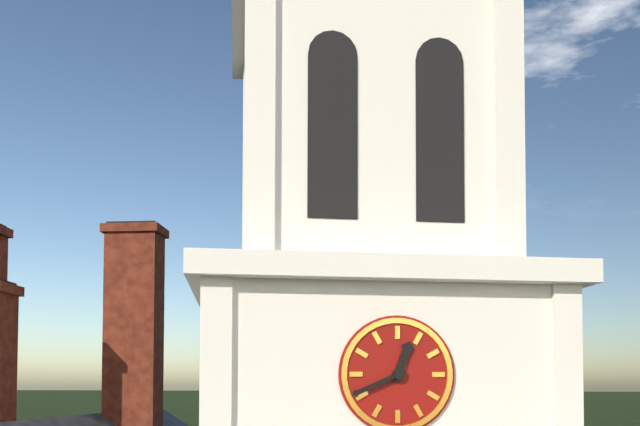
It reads 12:41
